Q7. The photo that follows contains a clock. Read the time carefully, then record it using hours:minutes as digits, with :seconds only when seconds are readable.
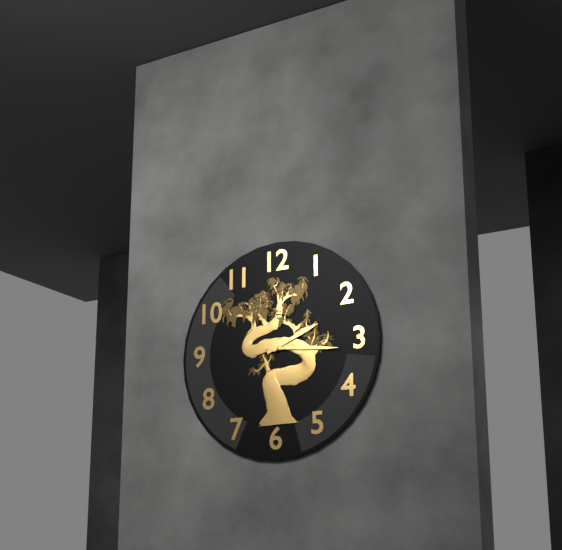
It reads 2:16
